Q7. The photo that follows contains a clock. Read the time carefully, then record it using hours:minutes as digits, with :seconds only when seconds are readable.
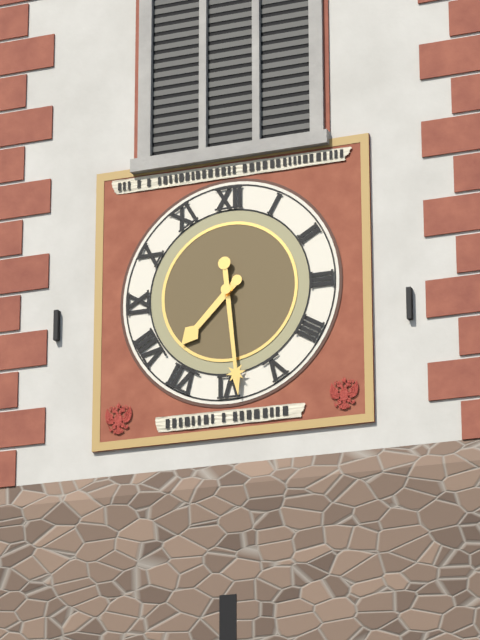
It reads 7:29
